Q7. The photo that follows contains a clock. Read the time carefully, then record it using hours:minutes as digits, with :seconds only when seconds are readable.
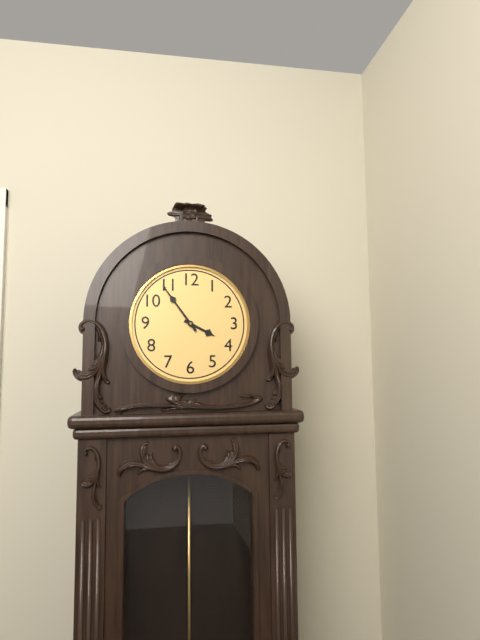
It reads 3:54
